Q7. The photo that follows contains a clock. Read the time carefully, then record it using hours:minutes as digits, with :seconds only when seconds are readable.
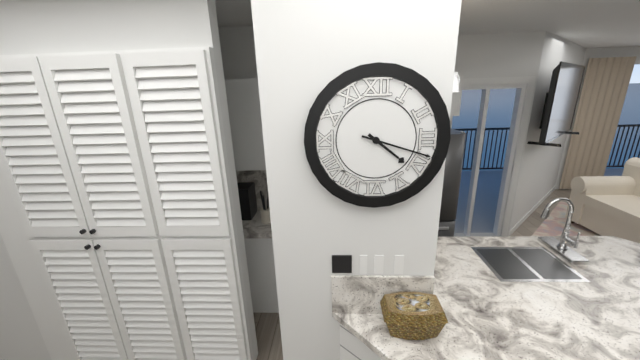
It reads 4:18
